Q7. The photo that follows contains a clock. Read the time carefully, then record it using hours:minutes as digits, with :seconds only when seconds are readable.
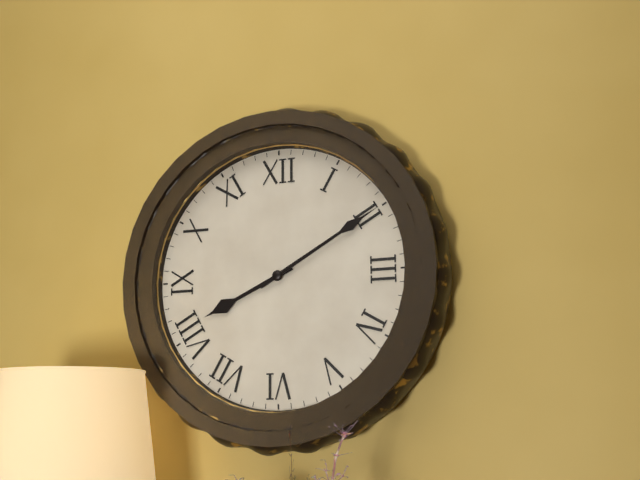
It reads 8:10
